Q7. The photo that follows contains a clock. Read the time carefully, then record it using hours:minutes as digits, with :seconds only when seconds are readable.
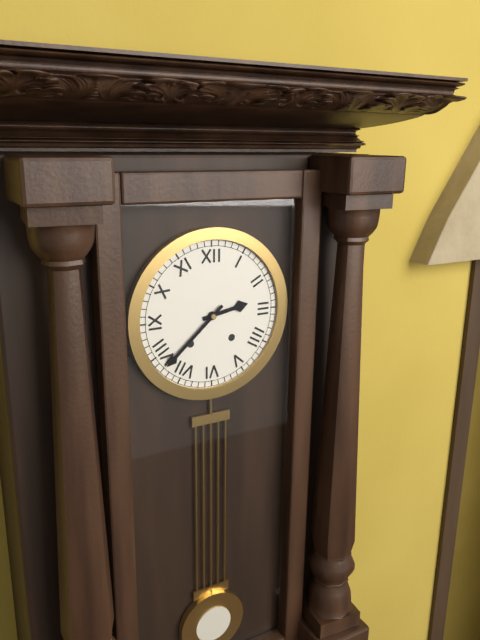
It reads 2:38
